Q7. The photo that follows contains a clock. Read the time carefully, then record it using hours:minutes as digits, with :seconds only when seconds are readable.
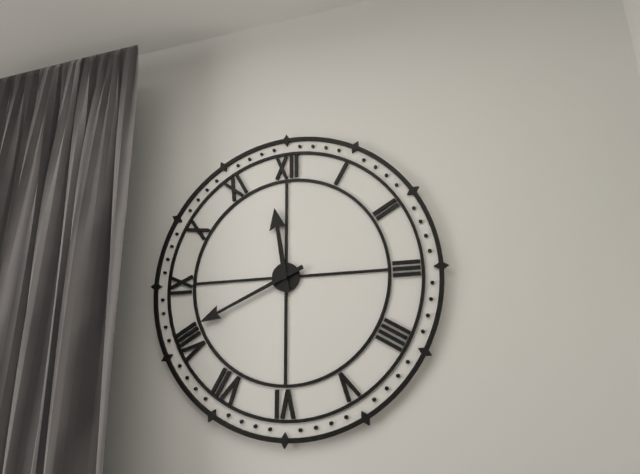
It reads 11:41
